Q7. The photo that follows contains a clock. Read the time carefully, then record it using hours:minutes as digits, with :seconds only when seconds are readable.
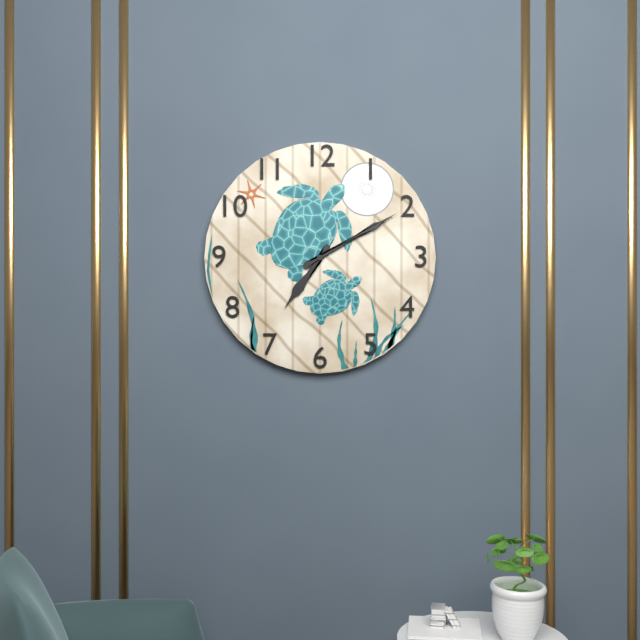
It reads 7:10
